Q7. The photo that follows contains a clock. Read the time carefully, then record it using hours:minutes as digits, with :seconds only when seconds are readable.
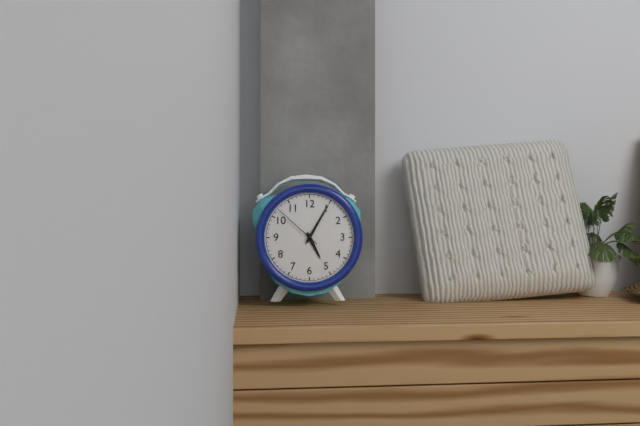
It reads 5:05:52
